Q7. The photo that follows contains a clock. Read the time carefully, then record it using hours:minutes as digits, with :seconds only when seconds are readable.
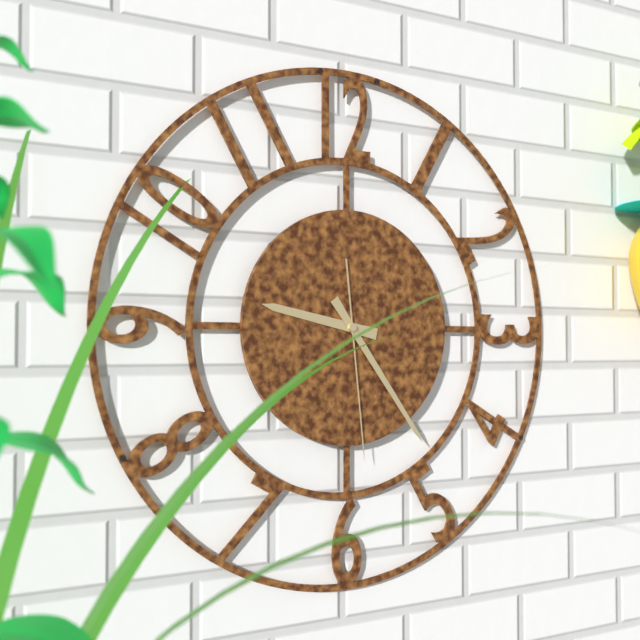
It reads 9:24:29
